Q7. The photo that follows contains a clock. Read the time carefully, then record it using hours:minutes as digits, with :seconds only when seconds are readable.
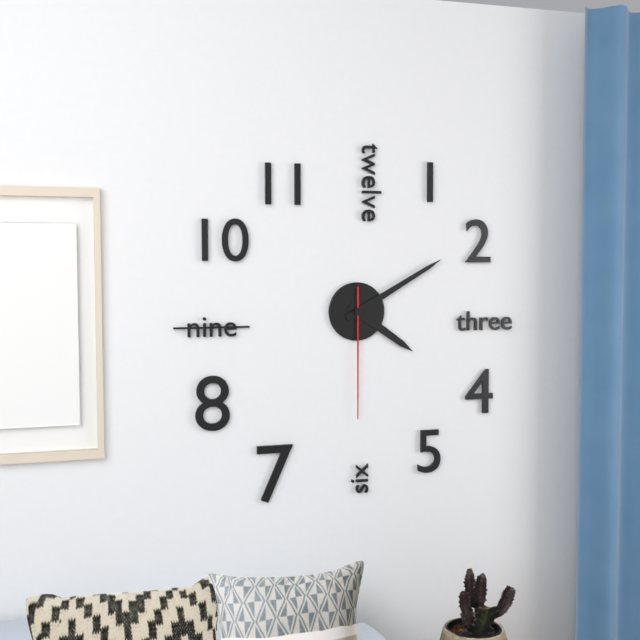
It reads 4:10:30
